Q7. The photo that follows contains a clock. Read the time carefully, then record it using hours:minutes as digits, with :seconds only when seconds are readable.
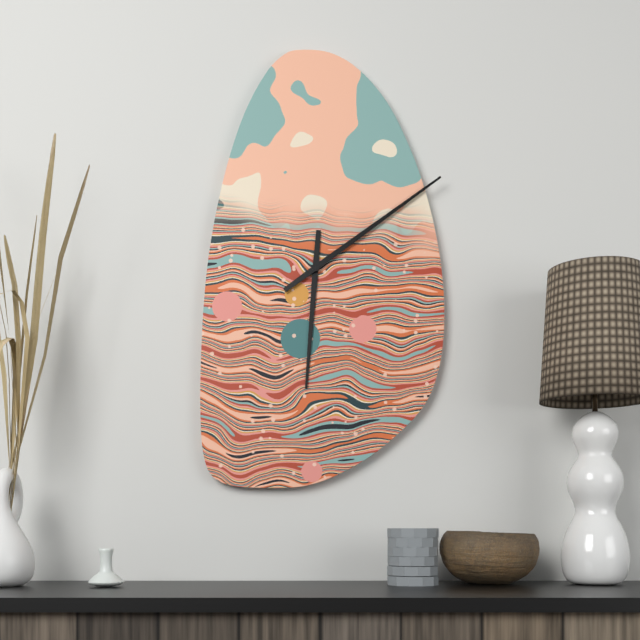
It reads 6:09
